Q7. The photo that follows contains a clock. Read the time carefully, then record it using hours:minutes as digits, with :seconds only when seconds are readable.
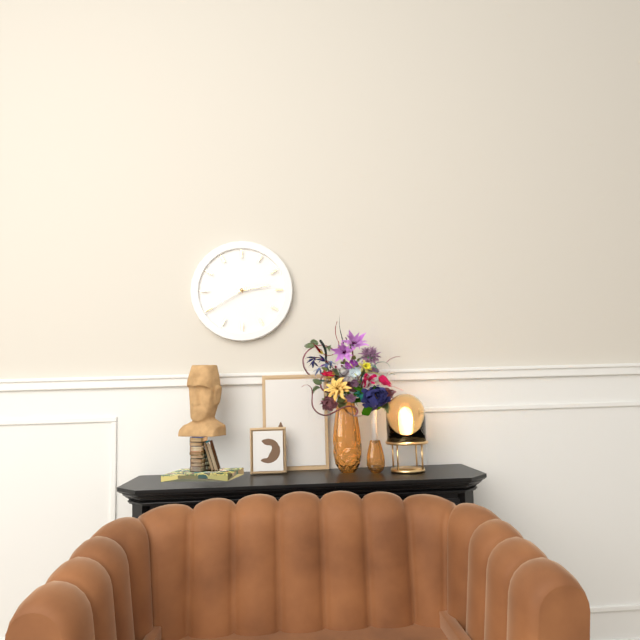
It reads 2:40
